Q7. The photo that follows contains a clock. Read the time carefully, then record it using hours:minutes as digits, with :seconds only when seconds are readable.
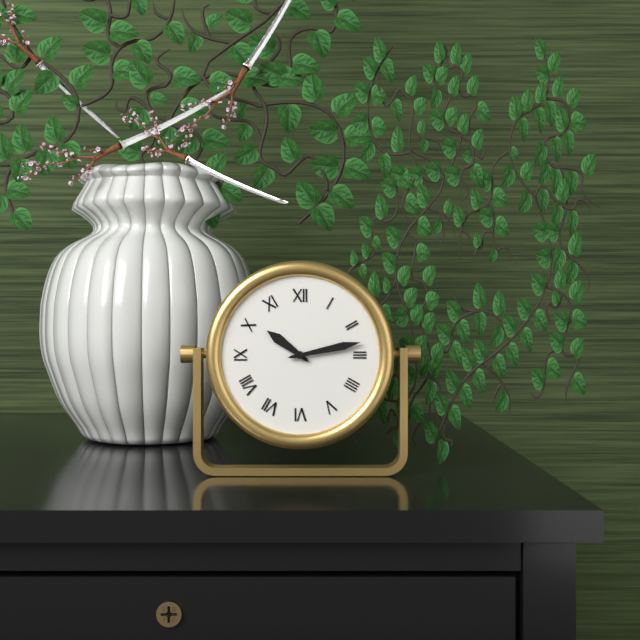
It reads 10:13
